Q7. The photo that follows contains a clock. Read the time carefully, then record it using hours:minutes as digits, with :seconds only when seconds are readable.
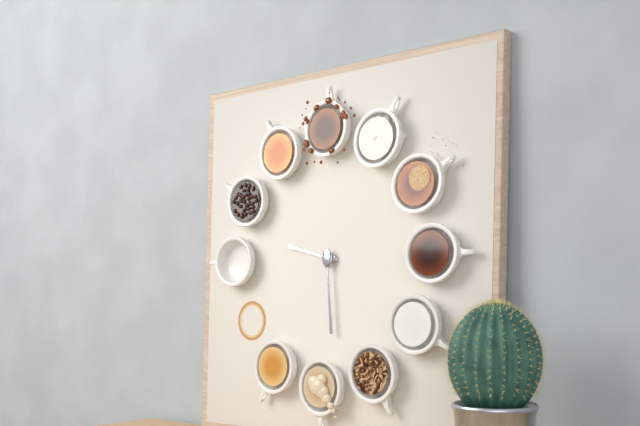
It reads 9:29
